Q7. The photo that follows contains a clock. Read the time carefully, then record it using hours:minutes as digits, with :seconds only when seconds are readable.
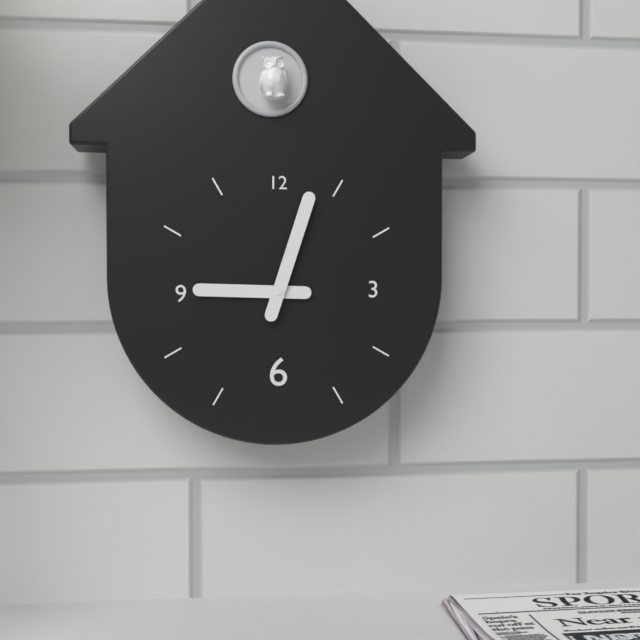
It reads 9:03
